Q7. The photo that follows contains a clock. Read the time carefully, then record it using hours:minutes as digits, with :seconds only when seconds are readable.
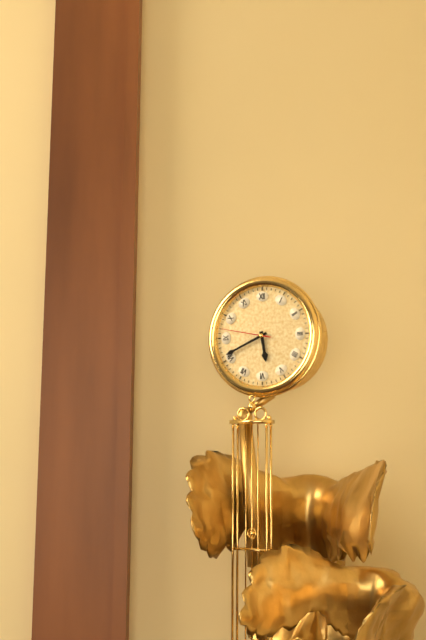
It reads 5:41:47
